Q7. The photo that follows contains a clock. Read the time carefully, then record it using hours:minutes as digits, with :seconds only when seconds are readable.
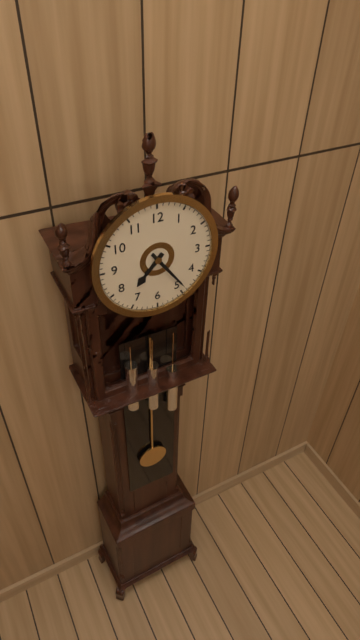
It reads 7:24
